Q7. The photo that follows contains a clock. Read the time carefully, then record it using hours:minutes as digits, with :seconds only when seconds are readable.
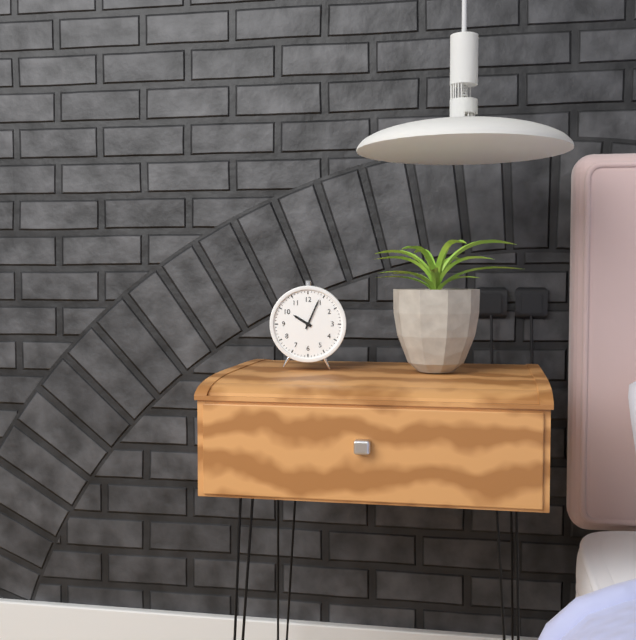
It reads 10:04
